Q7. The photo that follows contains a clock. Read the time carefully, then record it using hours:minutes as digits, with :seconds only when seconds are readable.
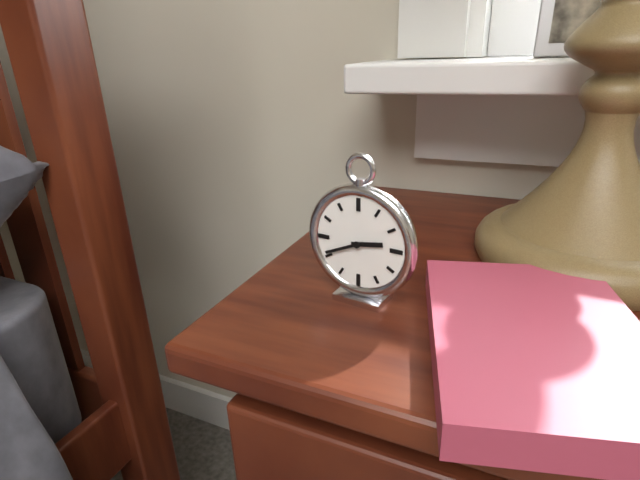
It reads 2:41
